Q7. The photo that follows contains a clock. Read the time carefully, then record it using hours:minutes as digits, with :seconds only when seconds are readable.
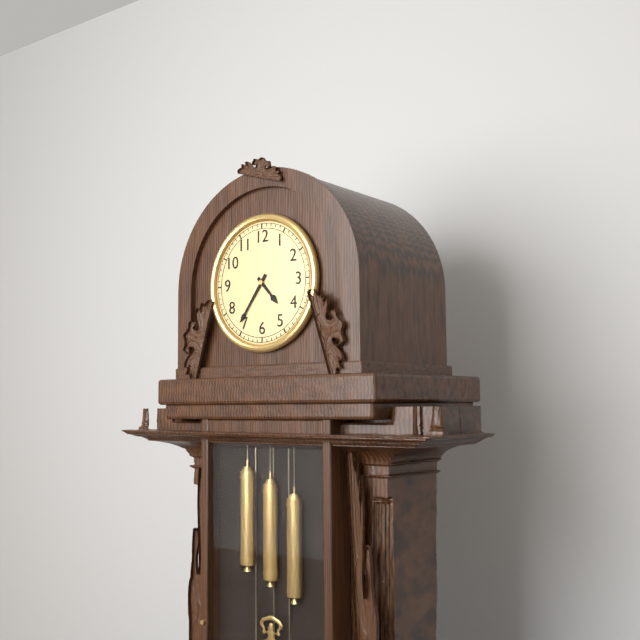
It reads 4:36
